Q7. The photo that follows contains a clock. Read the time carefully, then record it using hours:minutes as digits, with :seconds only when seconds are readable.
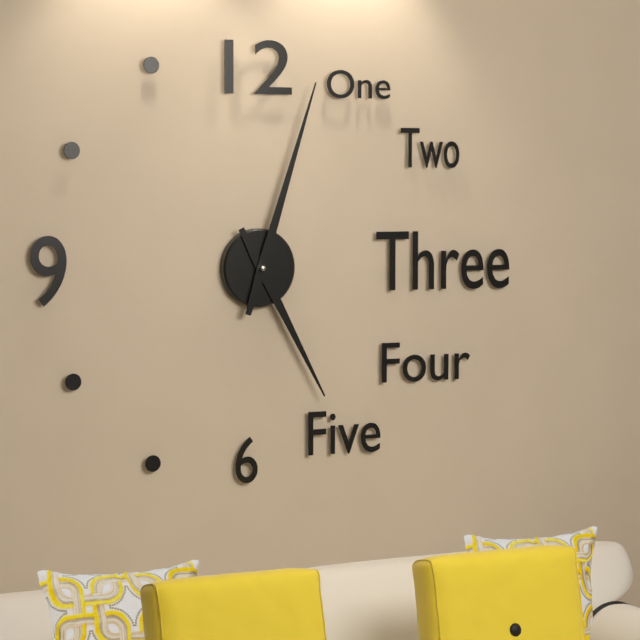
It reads 5:03
